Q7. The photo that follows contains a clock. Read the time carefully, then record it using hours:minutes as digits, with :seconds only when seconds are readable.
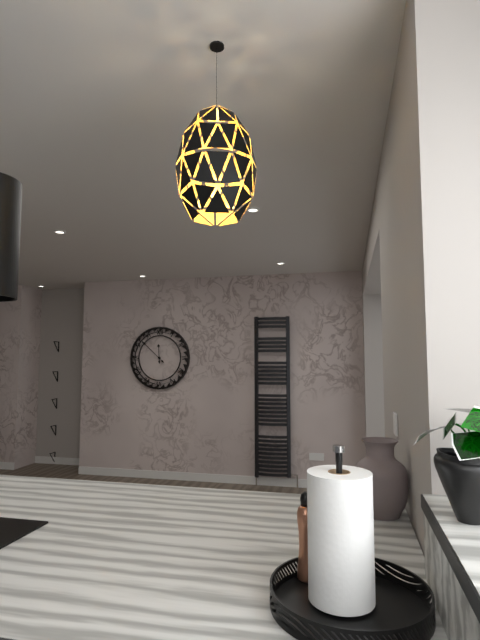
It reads 11:52
